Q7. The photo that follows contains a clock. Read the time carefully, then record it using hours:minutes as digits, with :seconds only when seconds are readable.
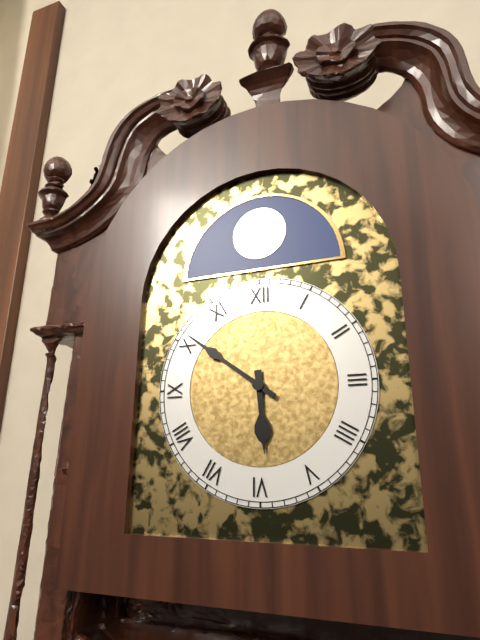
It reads 5:51
